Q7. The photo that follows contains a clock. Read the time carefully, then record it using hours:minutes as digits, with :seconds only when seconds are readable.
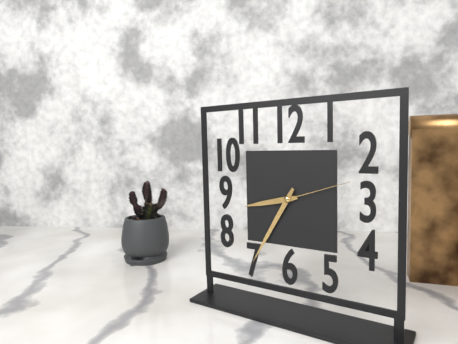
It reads 8:35:12
